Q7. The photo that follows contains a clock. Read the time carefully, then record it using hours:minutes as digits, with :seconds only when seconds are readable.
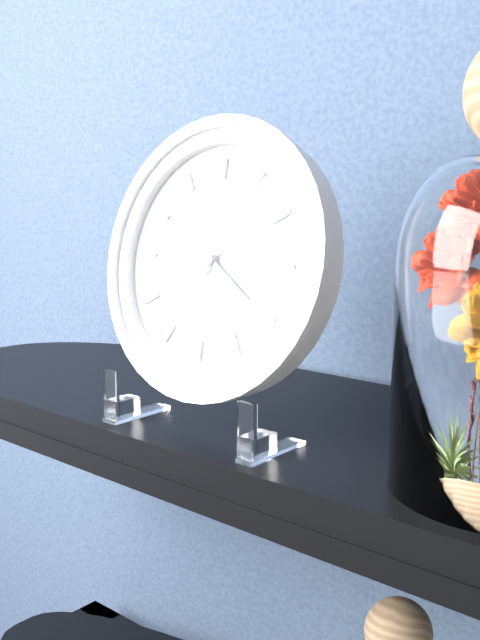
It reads 4:06
